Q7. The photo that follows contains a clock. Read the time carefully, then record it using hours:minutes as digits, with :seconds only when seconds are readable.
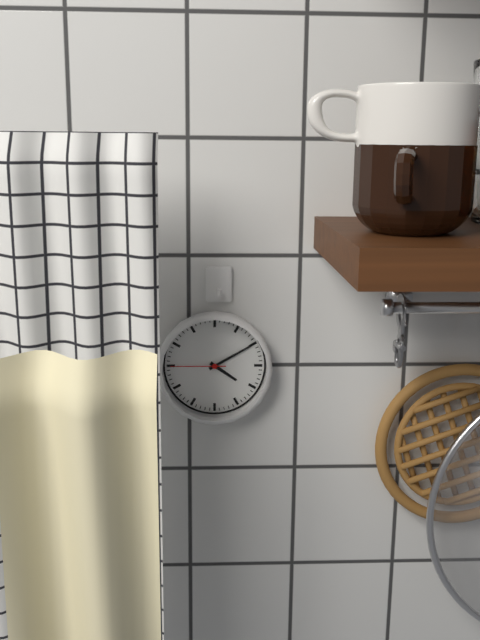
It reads 4:10:45
